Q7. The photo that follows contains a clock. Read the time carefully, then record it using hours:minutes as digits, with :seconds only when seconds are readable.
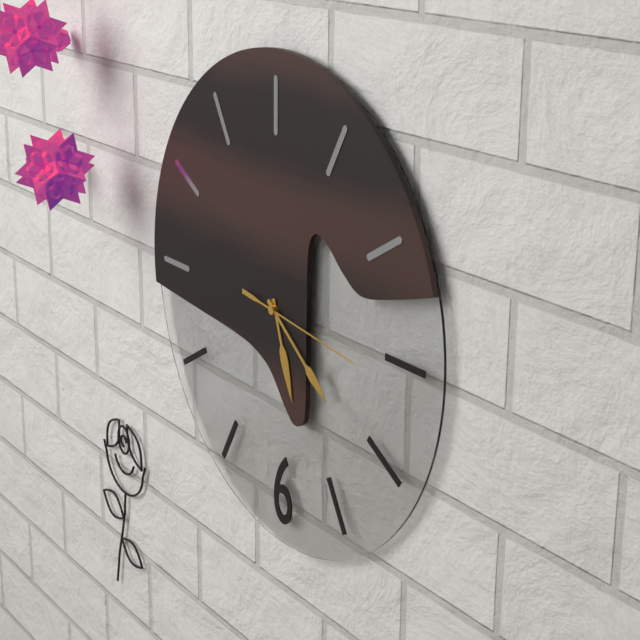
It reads 5:21:16
